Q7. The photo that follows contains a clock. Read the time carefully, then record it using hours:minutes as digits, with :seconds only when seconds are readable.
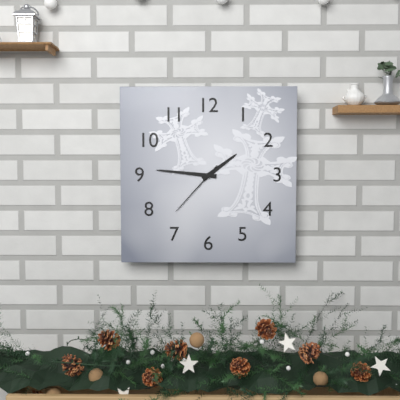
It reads 1:46:37
